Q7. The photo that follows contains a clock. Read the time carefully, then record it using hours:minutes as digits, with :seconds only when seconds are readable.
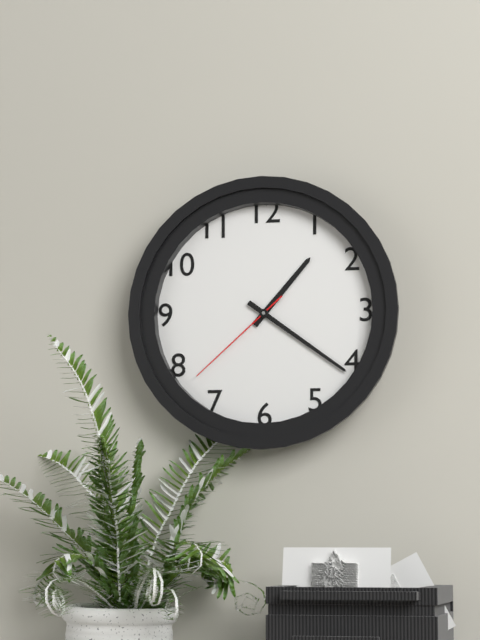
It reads 1:21:38
